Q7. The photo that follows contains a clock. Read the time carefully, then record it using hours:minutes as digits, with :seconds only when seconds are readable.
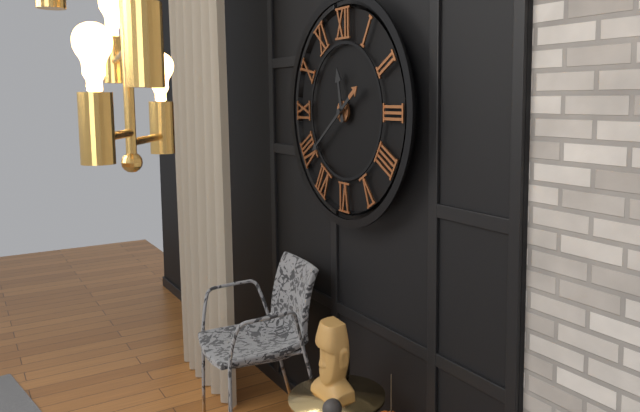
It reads 11:39
